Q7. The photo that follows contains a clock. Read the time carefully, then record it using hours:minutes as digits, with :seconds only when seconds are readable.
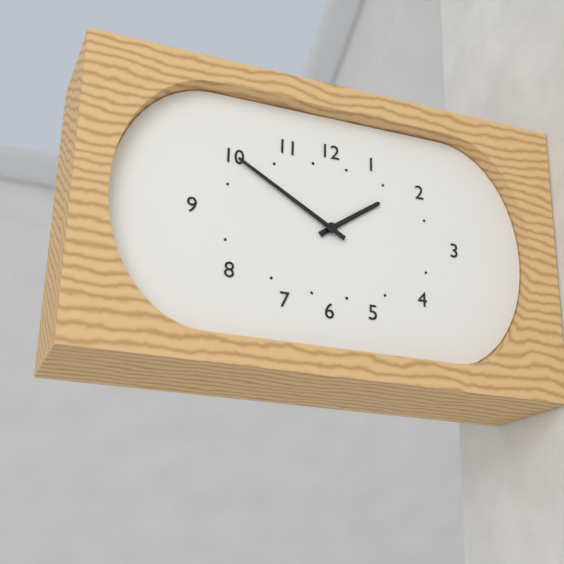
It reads 1:50
